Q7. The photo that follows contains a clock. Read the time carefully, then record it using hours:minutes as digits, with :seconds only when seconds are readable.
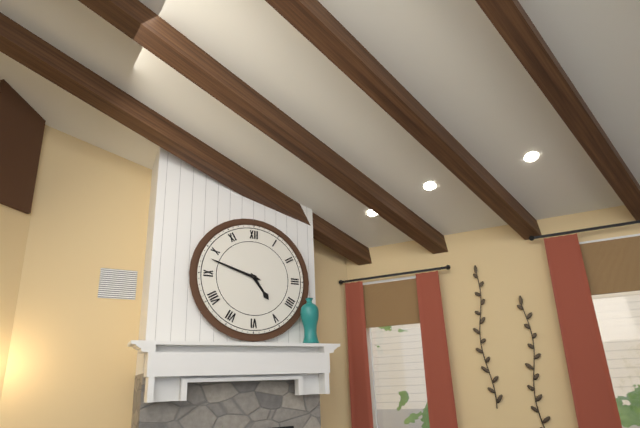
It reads 4:48
